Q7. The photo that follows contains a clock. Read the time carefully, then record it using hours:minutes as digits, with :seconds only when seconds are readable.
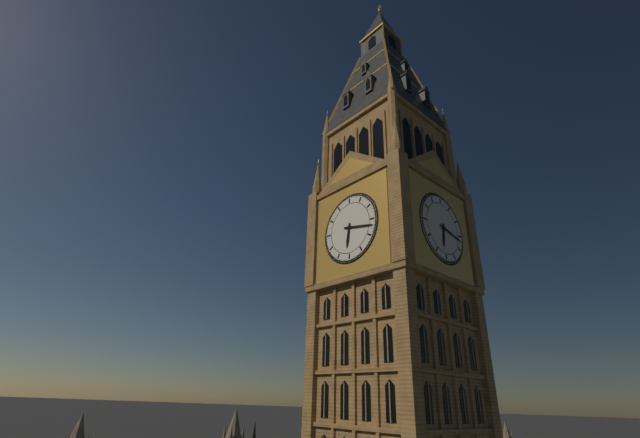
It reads 6:17
